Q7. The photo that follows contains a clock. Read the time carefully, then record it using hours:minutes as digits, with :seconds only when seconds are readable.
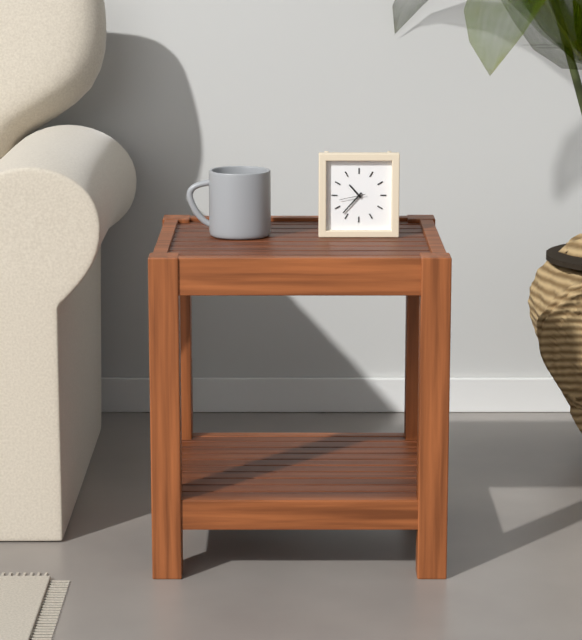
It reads 10:37
